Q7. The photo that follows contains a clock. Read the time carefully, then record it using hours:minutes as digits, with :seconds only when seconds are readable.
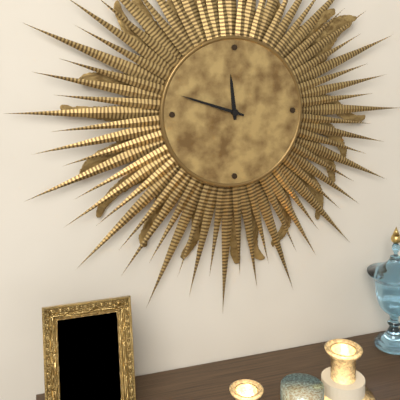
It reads 11:48
